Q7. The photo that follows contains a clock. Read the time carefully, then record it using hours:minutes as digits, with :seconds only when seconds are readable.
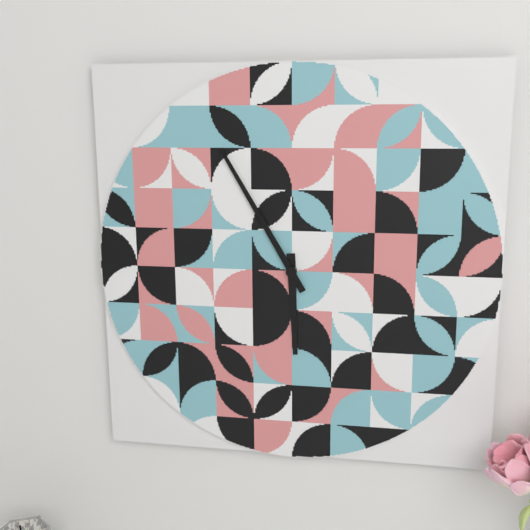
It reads 5:55
